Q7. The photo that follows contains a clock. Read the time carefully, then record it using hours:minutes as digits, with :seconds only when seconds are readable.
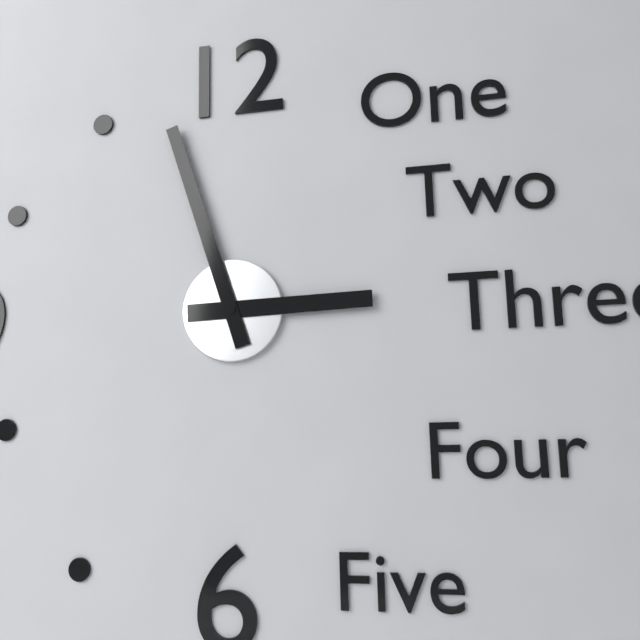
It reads 2:57
